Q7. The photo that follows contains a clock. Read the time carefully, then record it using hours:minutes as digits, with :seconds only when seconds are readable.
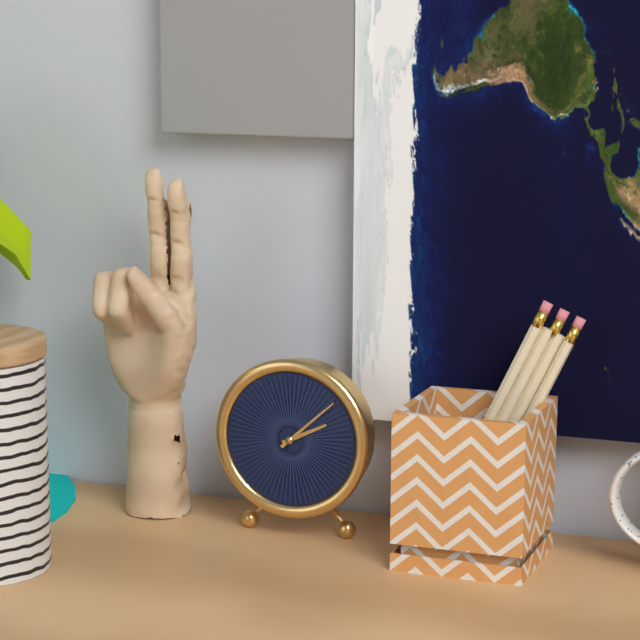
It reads 2:08
